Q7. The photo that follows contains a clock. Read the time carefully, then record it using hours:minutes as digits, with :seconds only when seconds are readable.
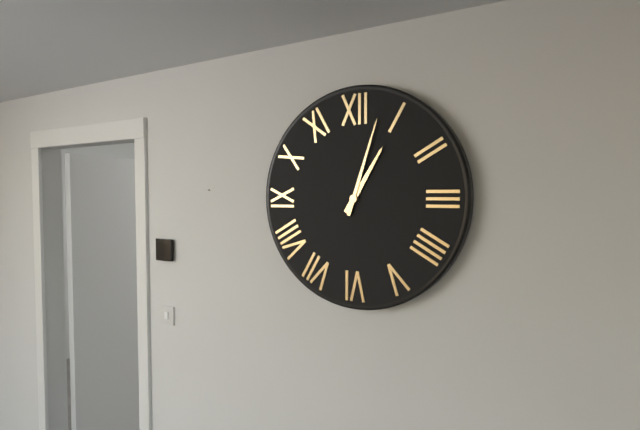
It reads 1:03
